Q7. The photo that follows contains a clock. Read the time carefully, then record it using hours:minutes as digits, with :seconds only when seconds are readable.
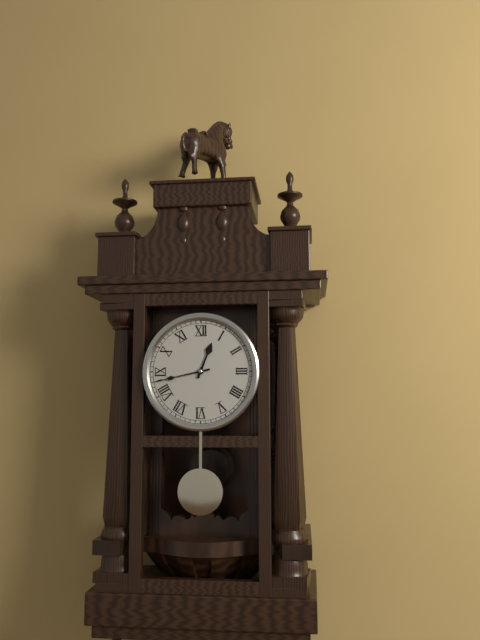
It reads 12:43
